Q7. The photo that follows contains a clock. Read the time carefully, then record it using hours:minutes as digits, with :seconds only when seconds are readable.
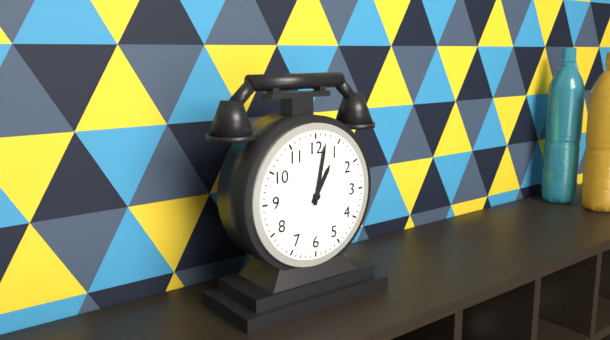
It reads 1:02
